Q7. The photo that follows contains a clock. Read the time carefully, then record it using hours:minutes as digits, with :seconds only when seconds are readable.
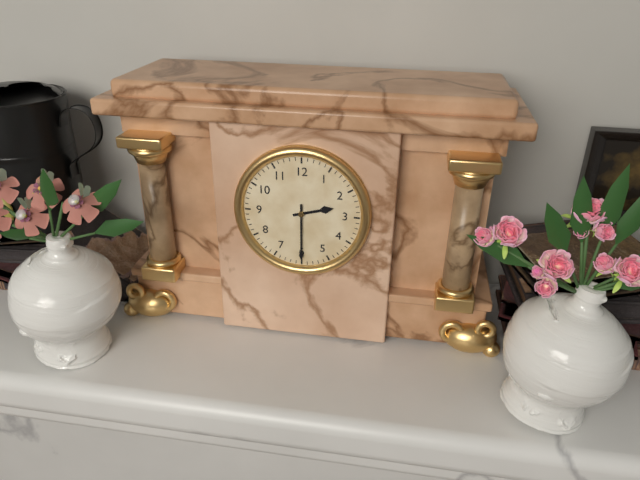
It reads 2:30
